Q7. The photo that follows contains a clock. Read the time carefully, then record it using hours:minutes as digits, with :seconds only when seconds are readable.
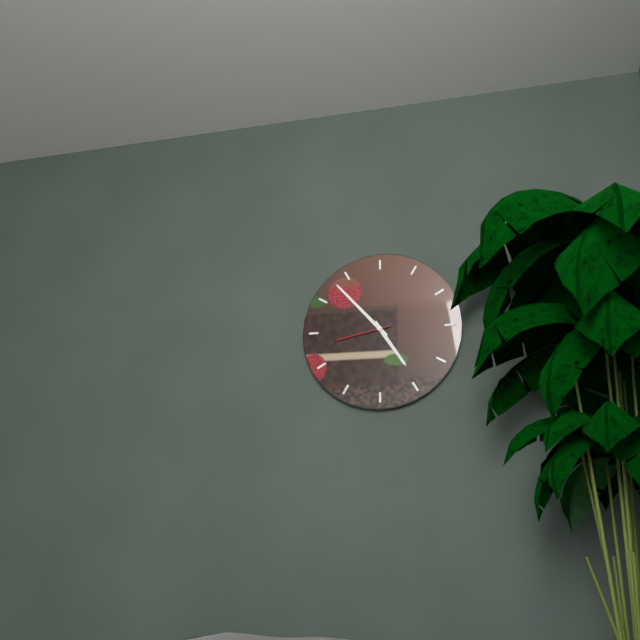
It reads 4:53:43
